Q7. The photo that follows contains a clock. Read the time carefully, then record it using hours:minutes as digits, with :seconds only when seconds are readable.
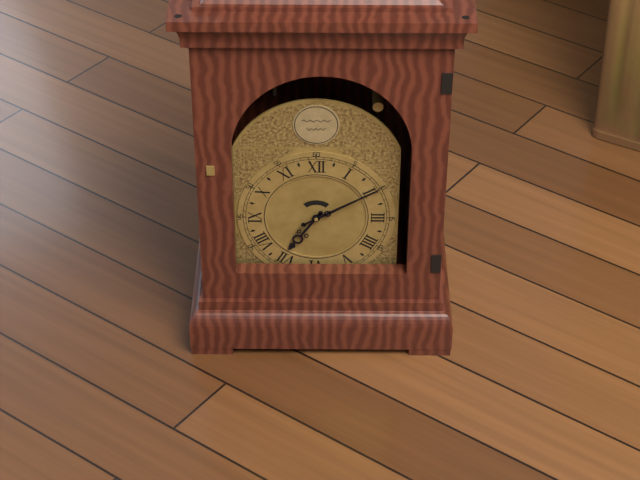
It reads 7:10
